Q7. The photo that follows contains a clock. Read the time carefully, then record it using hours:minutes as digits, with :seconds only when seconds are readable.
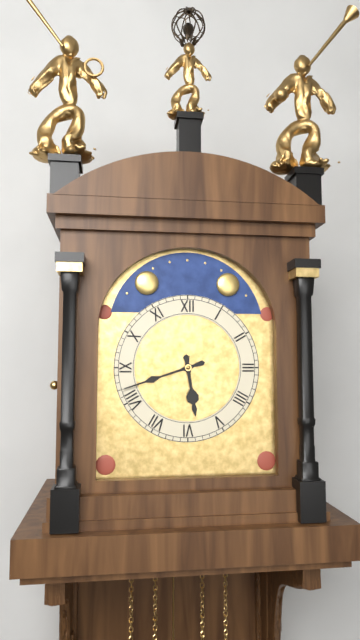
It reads 5:42
